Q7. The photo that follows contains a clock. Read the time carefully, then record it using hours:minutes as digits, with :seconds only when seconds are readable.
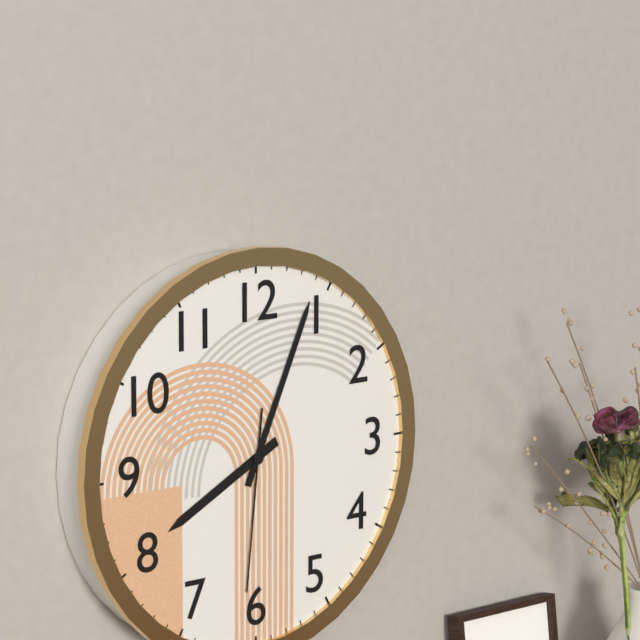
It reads 8:04:31
